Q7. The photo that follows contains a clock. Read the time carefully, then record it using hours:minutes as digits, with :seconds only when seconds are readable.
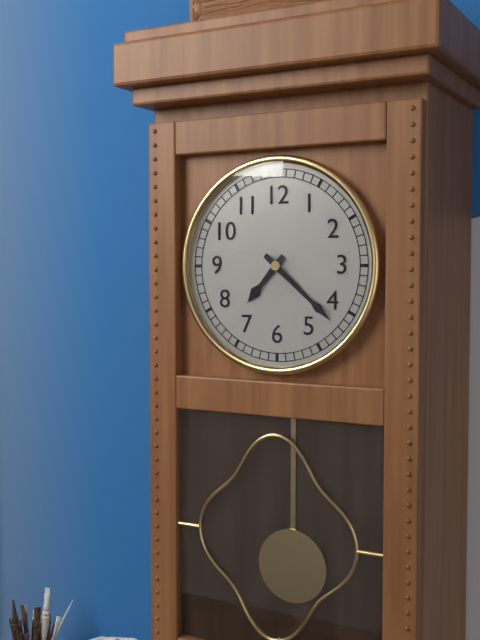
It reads 7:22
